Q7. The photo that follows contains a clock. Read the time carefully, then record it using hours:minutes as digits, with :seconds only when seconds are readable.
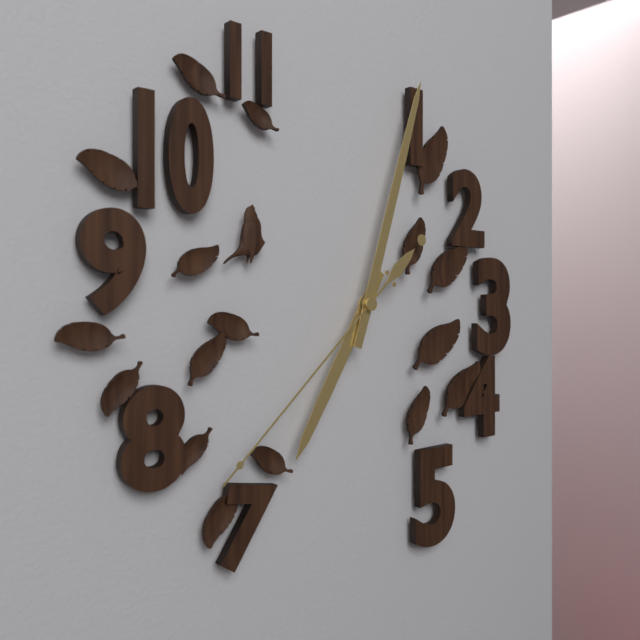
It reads 7:03:38
